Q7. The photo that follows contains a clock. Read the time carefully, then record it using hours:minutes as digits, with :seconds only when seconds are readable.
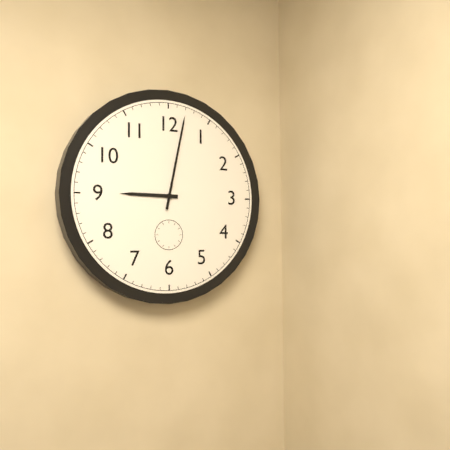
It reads 9:02
